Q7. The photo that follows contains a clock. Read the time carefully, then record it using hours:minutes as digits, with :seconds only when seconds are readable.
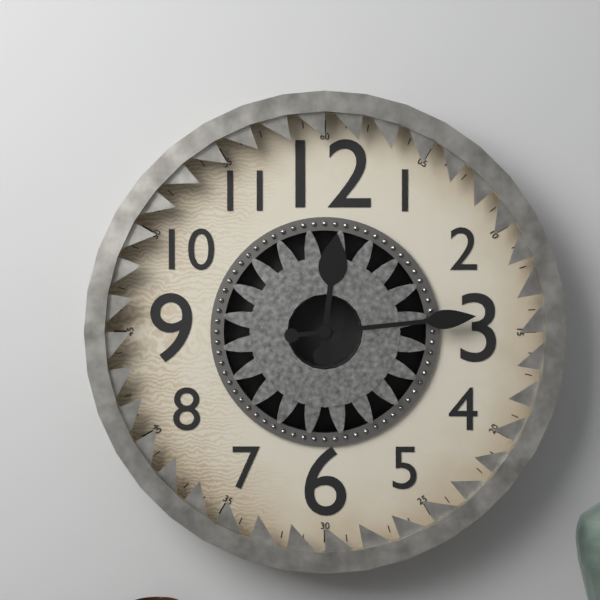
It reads 12:14
